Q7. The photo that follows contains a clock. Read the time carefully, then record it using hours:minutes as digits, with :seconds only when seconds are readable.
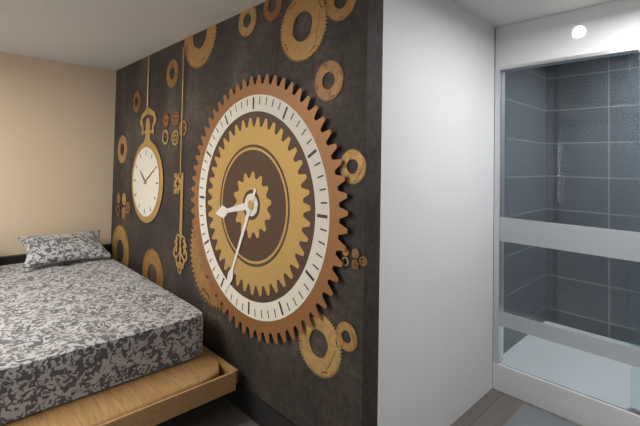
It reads 8:34
